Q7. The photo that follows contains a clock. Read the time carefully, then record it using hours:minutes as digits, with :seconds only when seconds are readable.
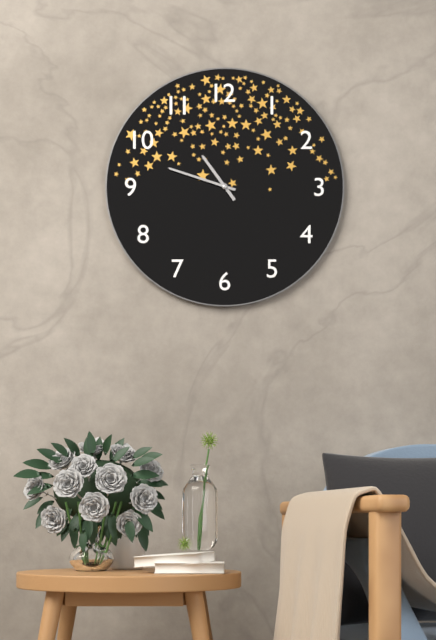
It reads 10:48
